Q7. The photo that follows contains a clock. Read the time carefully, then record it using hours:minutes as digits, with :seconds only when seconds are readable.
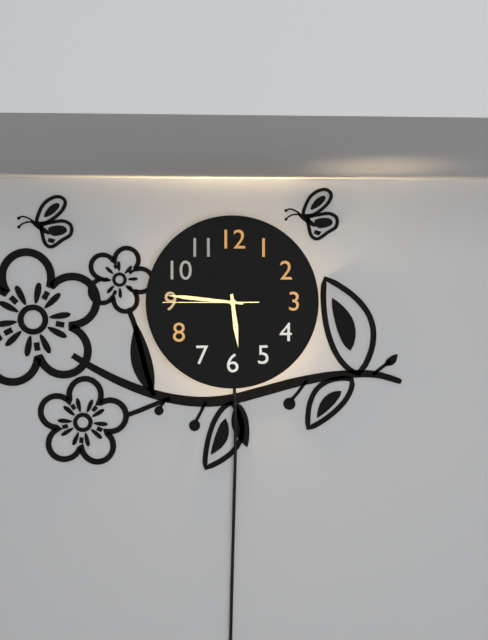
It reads 5:46:45
